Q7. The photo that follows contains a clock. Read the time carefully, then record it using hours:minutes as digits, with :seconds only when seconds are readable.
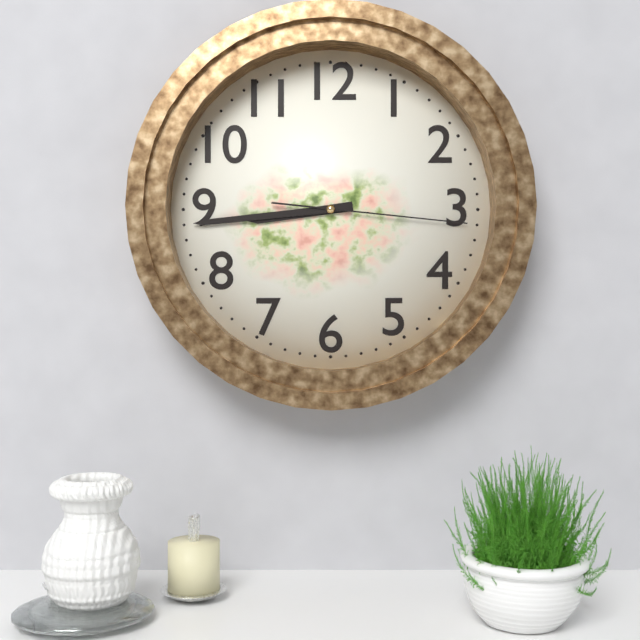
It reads 8:44:16
